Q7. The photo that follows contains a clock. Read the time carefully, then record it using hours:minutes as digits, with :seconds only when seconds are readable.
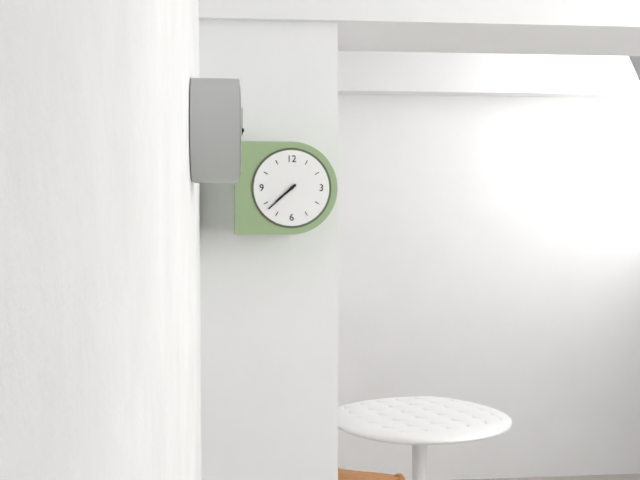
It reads 7:38
